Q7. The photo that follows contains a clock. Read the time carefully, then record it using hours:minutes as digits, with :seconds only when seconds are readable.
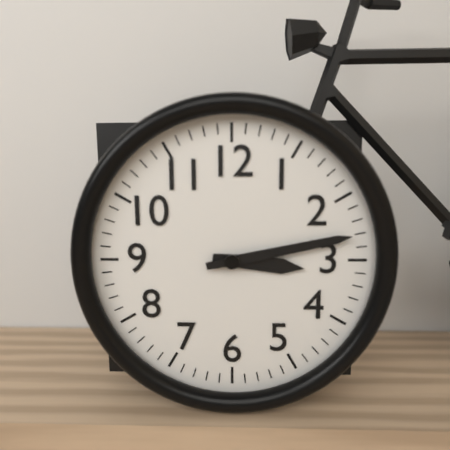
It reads 3:13
